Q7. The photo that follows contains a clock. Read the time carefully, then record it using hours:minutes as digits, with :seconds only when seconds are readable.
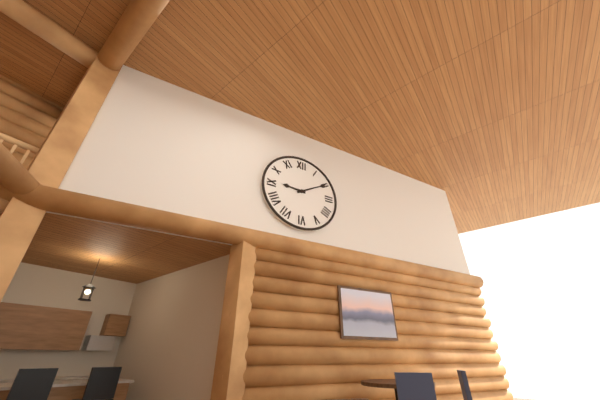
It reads 9:10
